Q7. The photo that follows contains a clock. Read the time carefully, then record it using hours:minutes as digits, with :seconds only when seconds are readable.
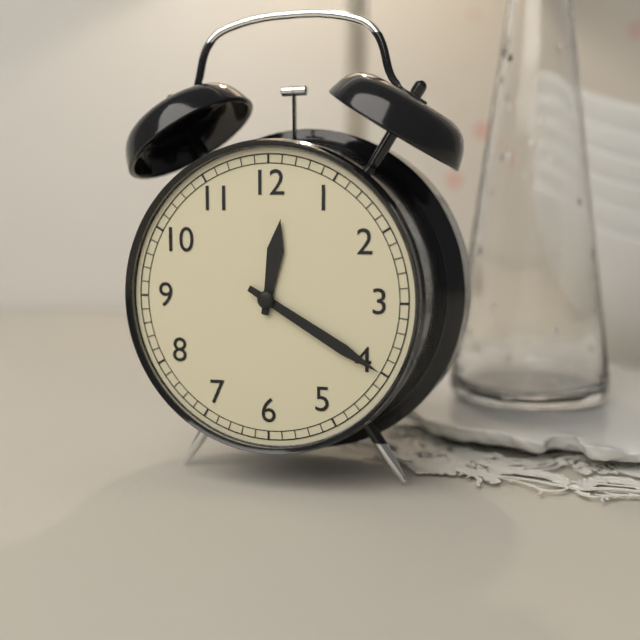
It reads 12:20
